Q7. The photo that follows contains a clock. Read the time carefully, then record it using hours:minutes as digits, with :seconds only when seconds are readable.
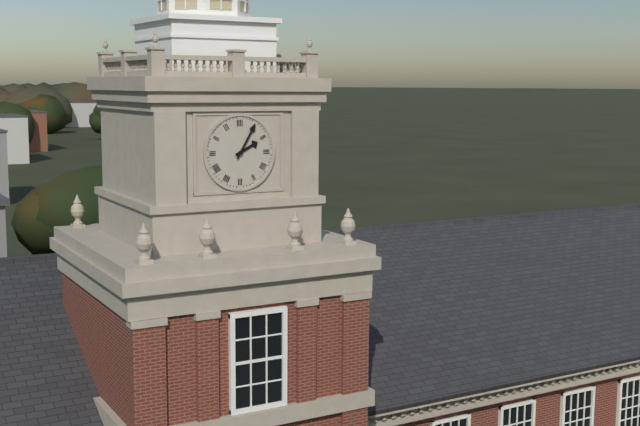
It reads 2:05
